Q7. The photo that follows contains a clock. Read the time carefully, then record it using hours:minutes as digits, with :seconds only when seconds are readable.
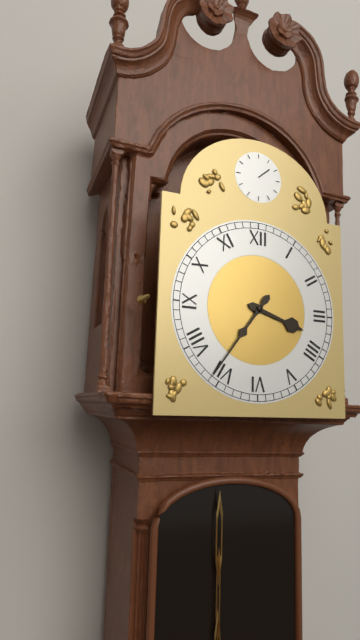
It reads 3:36
